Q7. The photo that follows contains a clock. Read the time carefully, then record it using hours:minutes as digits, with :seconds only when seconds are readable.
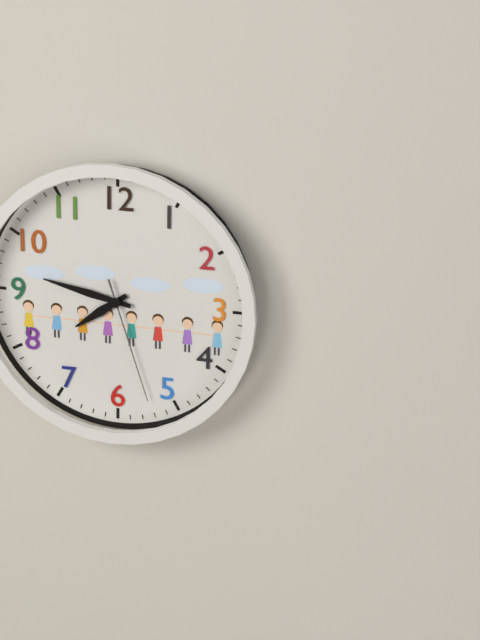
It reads 7:47:27
